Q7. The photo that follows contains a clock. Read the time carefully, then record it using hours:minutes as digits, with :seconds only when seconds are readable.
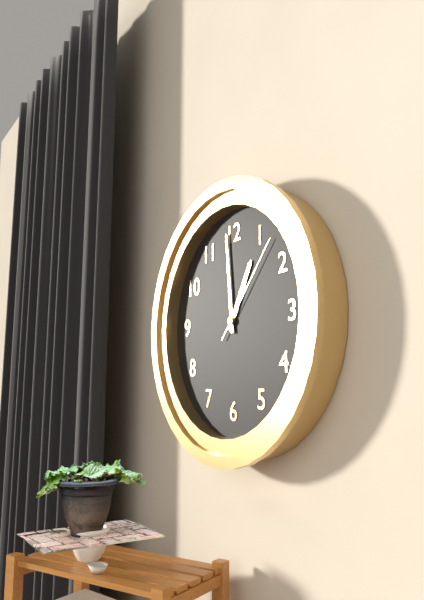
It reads 12:59:07
